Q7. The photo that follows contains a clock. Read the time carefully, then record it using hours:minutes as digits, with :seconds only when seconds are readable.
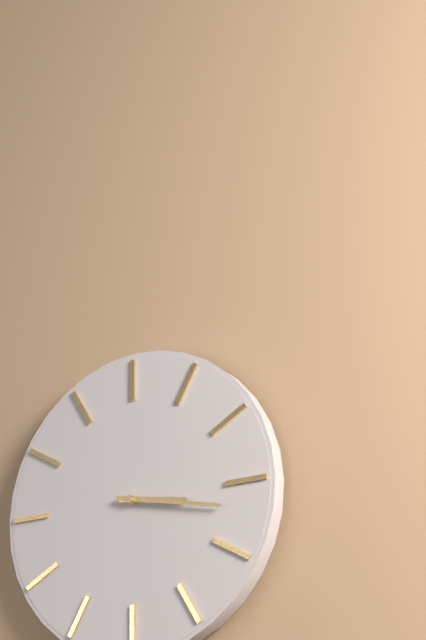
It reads 3:17
